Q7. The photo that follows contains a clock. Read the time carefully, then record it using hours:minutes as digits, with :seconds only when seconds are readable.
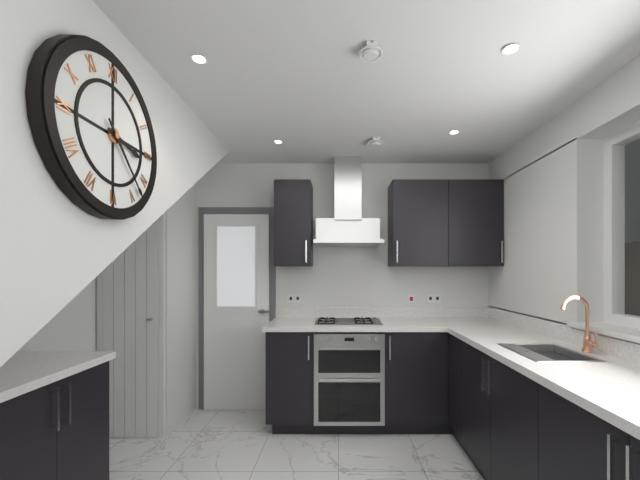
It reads 3:23
